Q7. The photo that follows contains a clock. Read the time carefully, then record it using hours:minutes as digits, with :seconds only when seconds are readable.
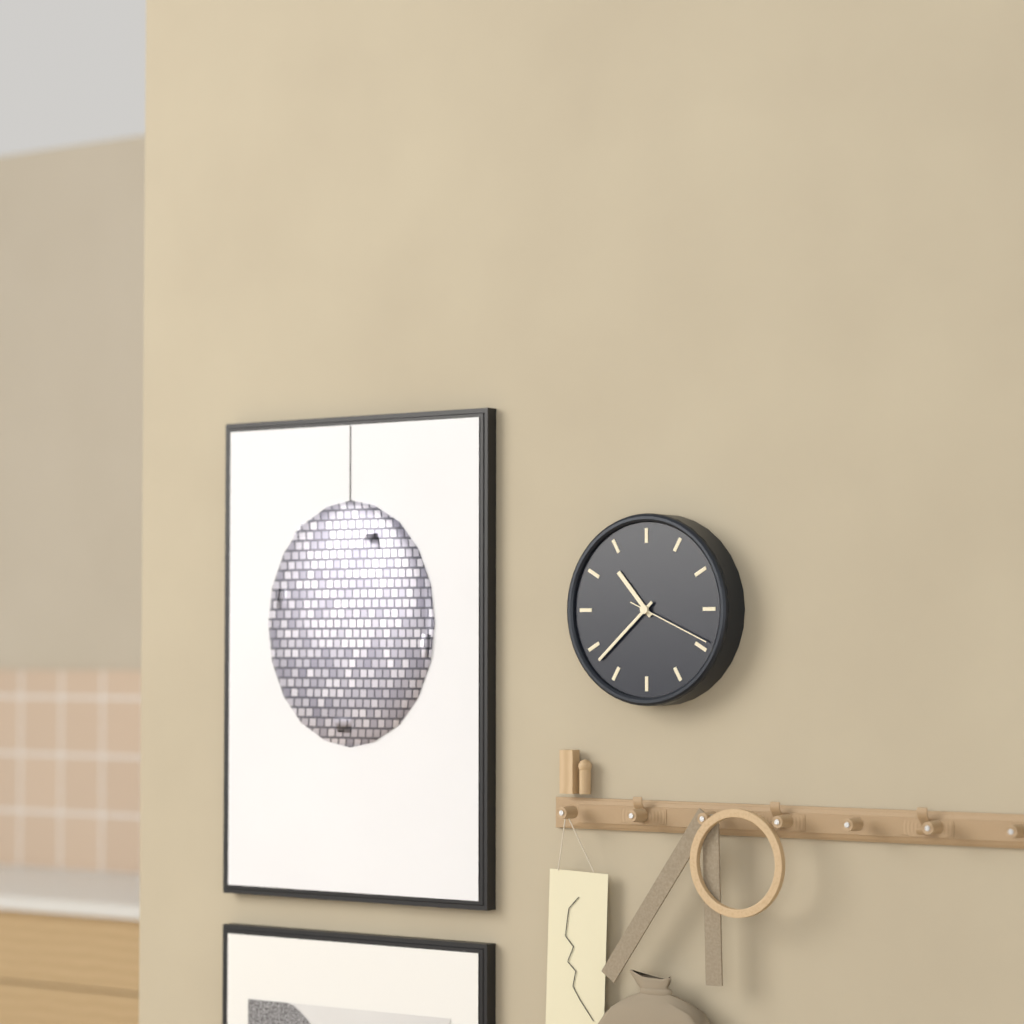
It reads 10:38:19
